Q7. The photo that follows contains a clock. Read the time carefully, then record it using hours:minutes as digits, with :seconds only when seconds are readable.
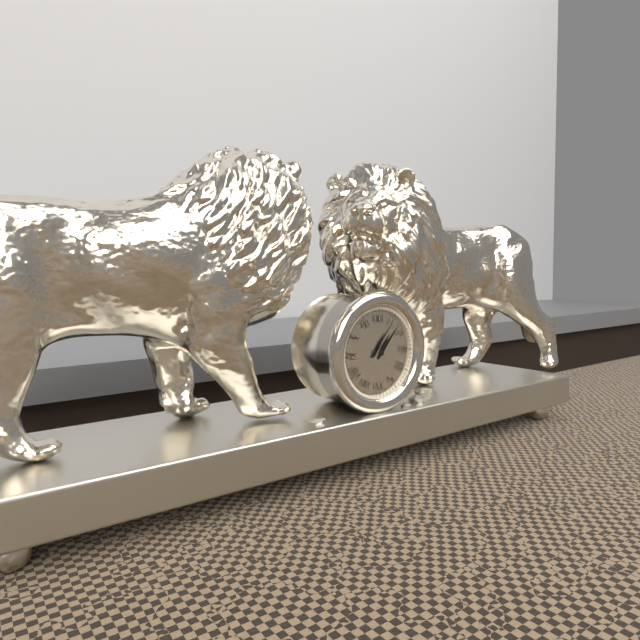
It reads 1:07
